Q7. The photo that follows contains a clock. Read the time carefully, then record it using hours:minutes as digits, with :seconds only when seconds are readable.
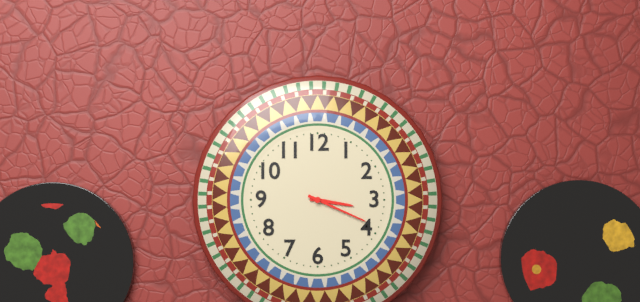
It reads 3:19
